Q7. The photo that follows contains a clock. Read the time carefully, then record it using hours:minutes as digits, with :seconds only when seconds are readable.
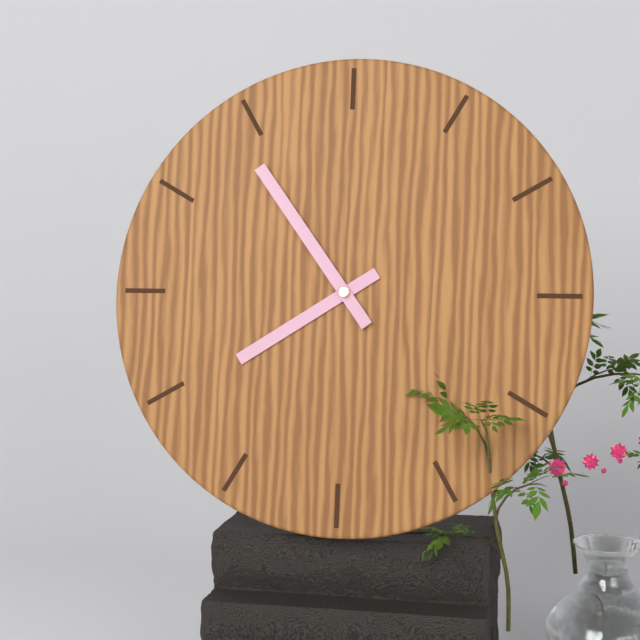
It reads 7:54
